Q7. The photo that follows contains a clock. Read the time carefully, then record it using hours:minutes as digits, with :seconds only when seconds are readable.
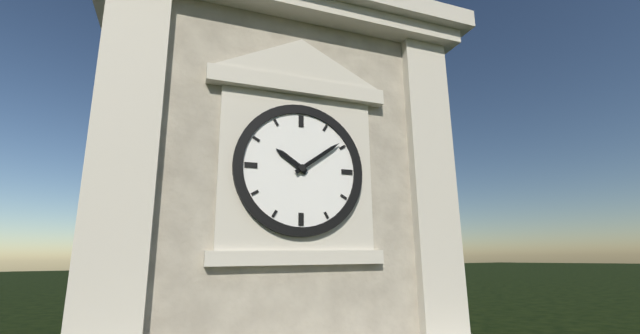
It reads 10:09
